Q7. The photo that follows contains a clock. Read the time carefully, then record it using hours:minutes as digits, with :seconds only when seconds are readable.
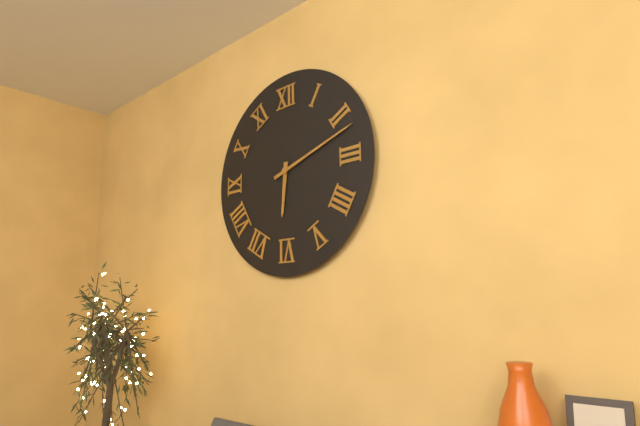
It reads 6:12
